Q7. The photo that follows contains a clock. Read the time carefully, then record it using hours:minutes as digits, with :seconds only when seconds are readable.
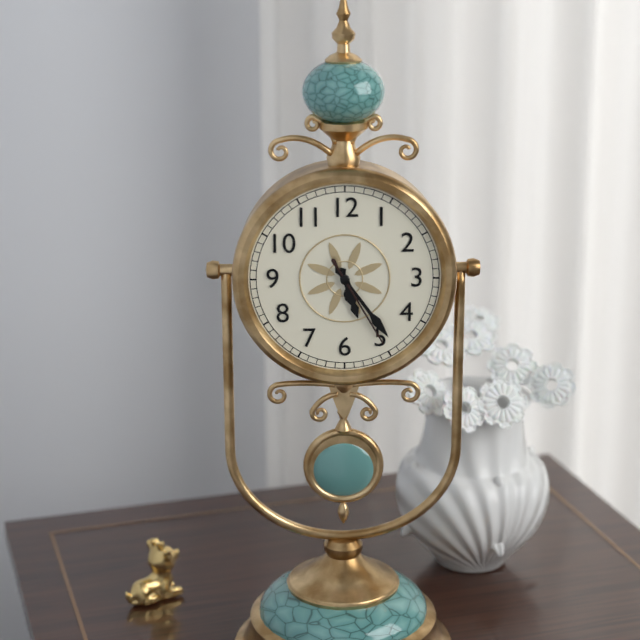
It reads 5:24:25
